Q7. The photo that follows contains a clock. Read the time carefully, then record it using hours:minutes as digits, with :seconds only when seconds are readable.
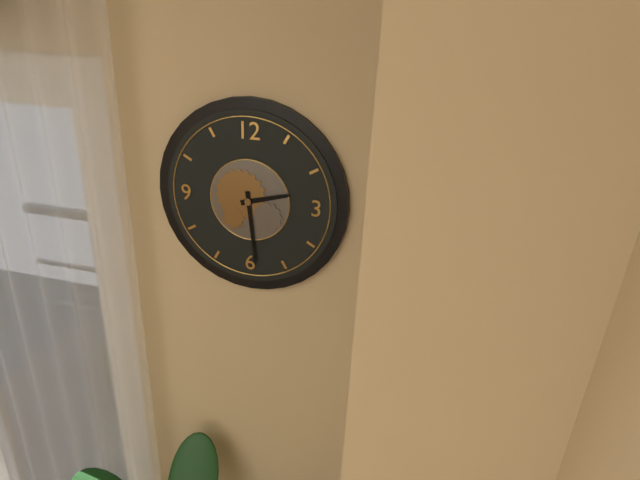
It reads 2:29
